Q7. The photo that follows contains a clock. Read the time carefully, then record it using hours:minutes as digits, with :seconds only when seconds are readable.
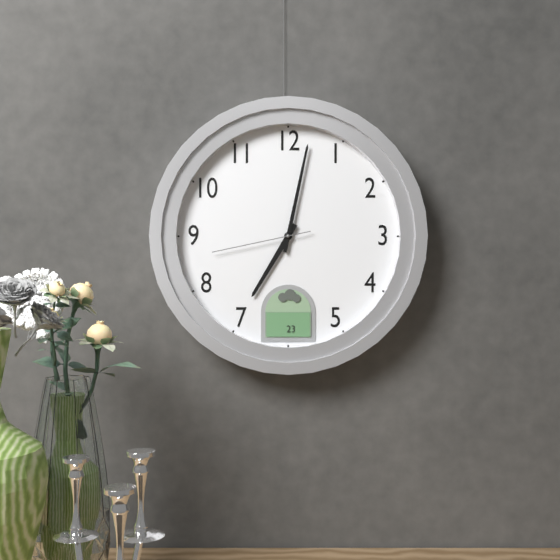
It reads 7:02:43
